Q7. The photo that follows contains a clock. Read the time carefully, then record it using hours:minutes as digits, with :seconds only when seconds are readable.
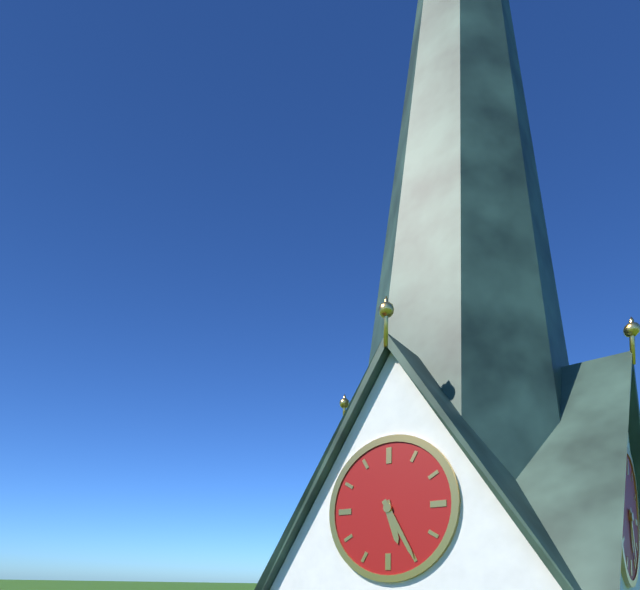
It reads 5:25
